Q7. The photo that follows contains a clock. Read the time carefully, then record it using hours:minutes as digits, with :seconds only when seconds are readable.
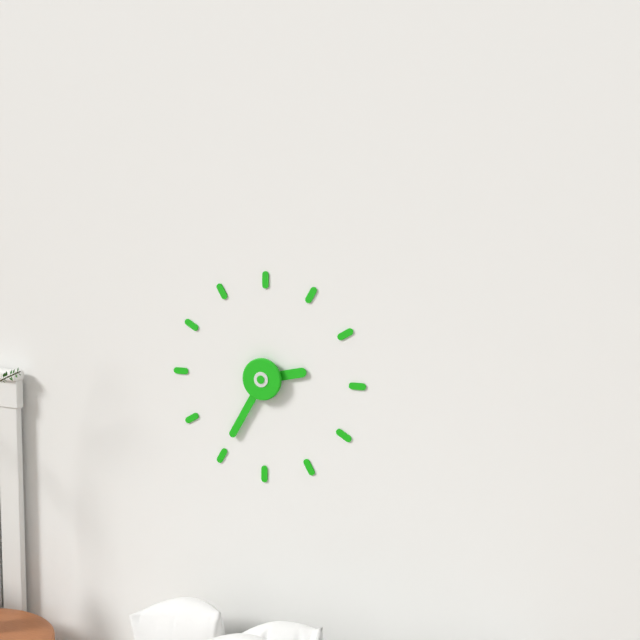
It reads 2:35
